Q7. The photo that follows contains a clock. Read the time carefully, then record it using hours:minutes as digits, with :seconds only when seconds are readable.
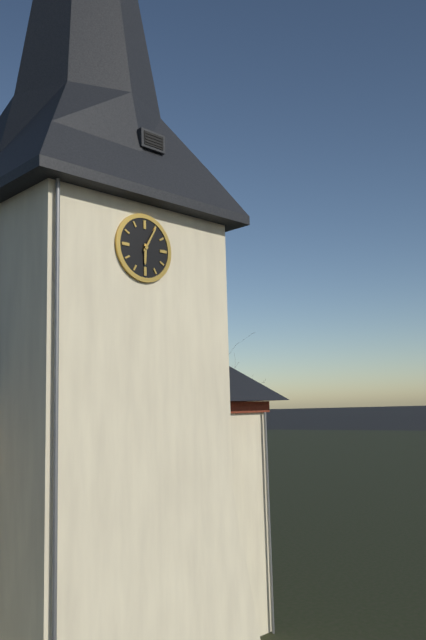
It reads 6:05
